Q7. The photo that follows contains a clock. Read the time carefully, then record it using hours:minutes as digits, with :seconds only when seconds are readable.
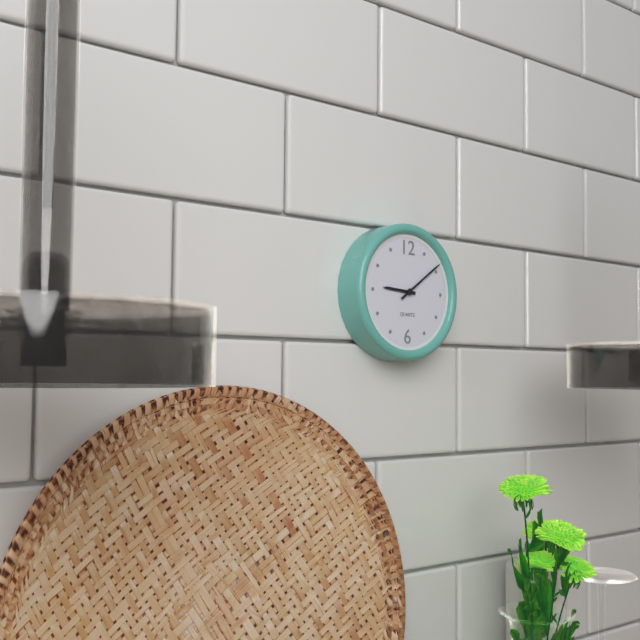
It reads 9:09
